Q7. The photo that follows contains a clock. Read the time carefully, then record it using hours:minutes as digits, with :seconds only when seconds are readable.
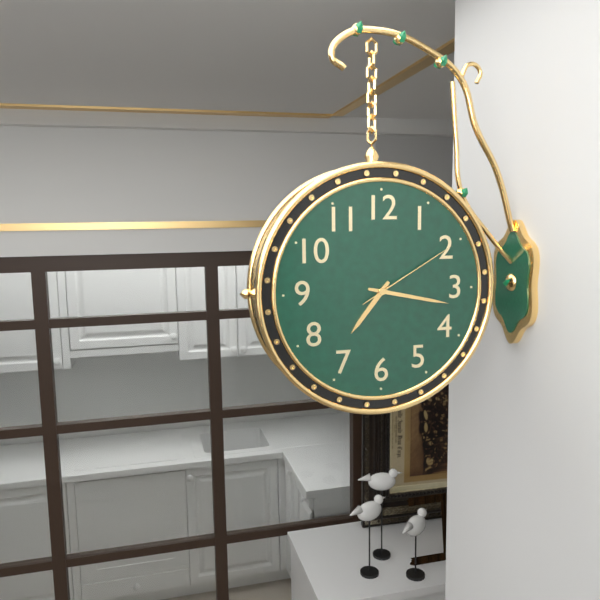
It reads 7:17:10
